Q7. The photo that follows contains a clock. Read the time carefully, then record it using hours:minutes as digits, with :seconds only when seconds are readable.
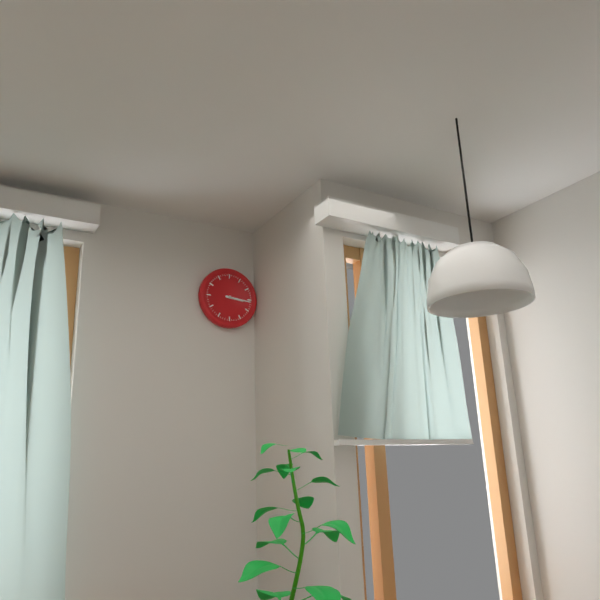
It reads 3:16
